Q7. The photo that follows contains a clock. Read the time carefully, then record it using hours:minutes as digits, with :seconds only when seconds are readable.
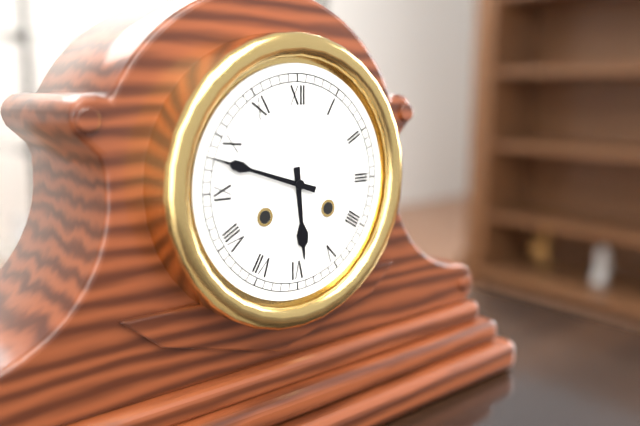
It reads 5:48
